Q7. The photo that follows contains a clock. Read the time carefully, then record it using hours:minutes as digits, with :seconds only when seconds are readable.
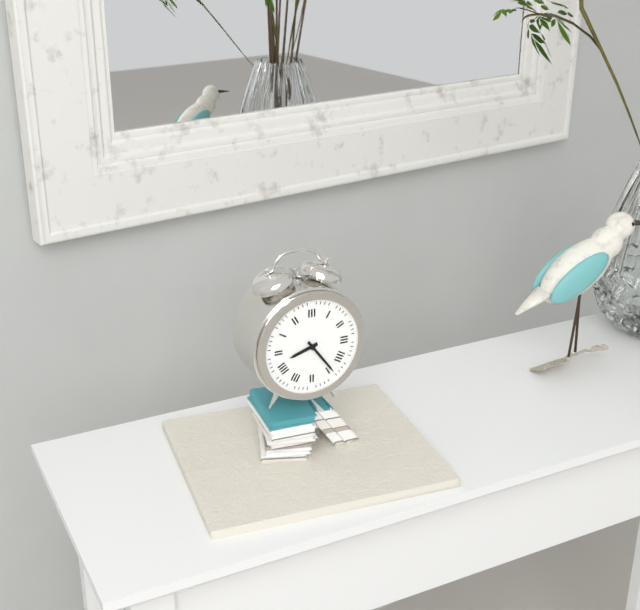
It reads 8:24
